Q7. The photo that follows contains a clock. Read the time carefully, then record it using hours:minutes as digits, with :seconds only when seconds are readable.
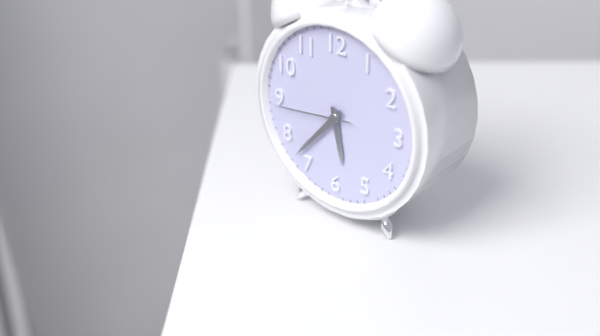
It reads 5:37:44
